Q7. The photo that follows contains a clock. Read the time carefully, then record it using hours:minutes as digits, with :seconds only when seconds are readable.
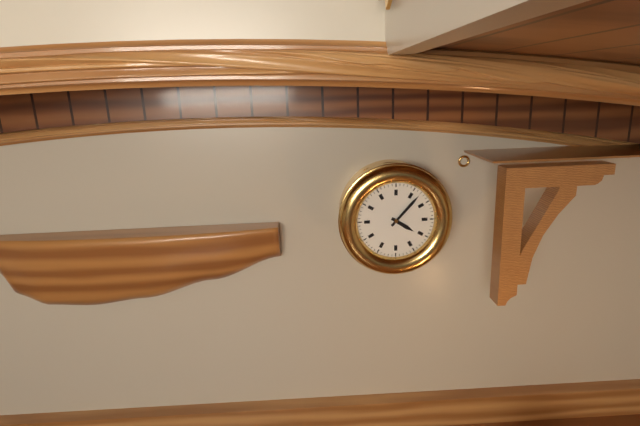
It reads 4:07
